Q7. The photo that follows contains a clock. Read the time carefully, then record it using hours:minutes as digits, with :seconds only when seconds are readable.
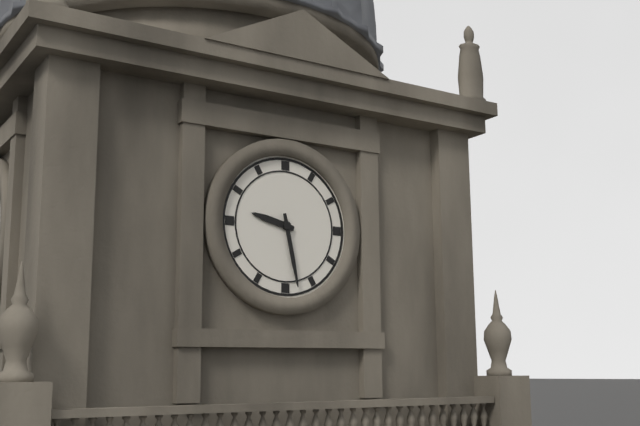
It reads 9:28
